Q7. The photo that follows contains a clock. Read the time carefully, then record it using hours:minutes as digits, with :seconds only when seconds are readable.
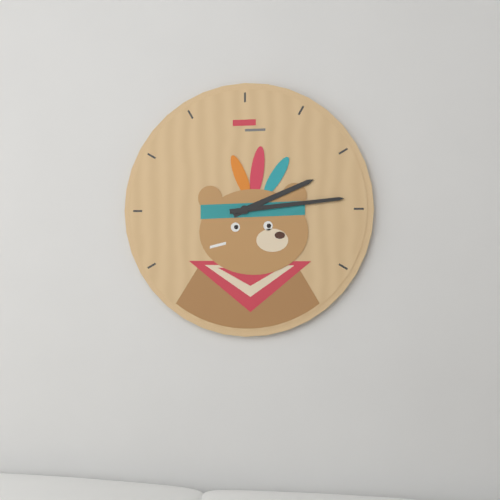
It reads 2:14
